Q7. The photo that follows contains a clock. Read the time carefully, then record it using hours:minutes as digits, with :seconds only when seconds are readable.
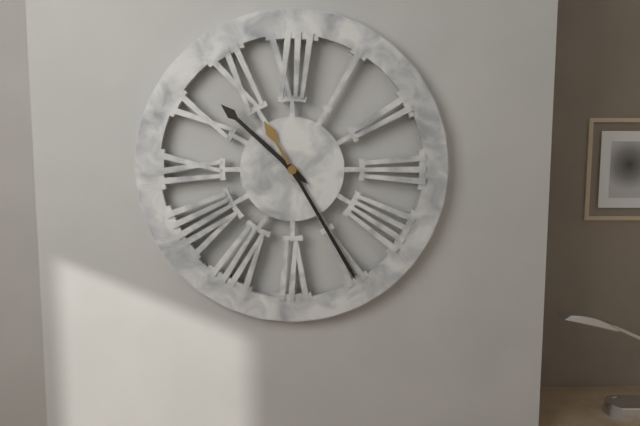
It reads 10:25
